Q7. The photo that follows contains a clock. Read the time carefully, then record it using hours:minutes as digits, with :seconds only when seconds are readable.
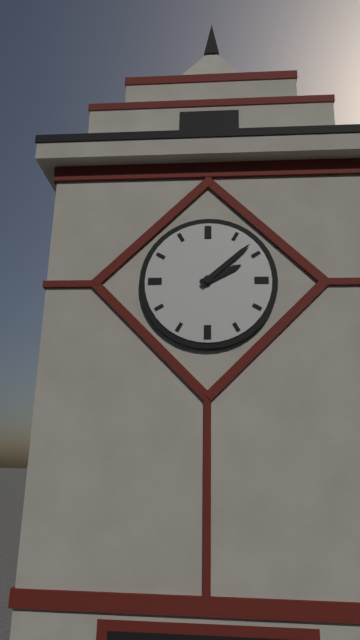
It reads 2:08
